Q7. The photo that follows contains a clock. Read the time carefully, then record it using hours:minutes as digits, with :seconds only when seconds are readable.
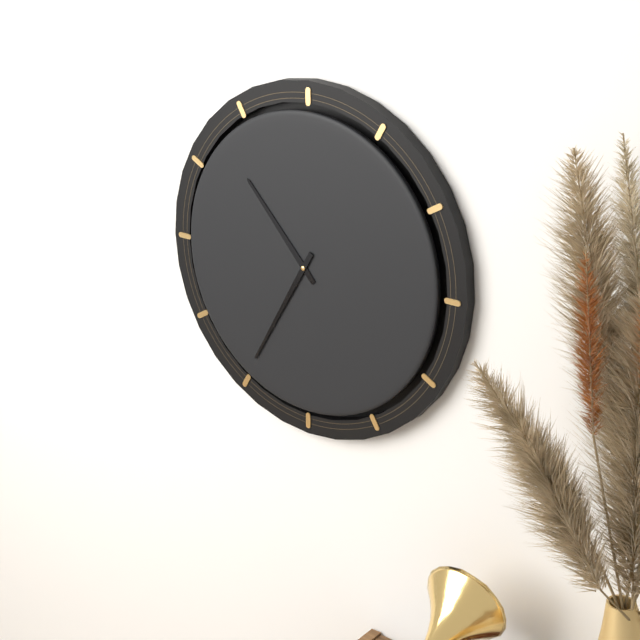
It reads 10:35
